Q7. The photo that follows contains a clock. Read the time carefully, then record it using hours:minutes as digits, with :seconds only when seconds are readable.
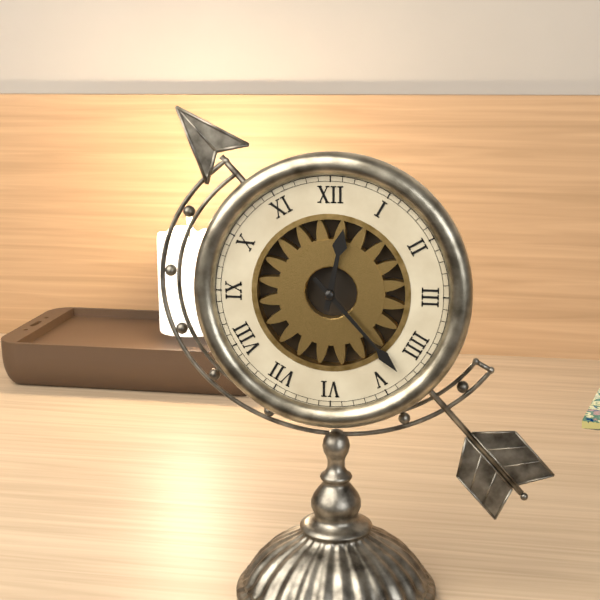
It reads 12:23
